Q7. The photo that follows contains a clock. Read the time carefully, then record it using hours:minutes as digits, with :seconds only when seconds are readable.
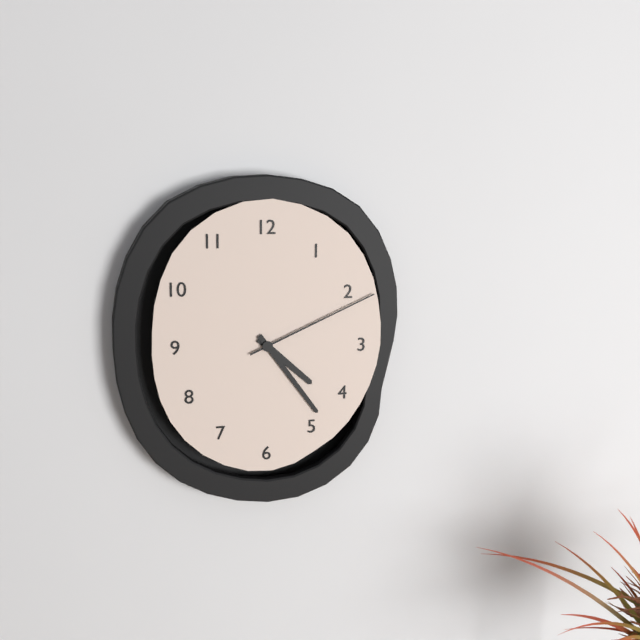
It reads 4:24:11
